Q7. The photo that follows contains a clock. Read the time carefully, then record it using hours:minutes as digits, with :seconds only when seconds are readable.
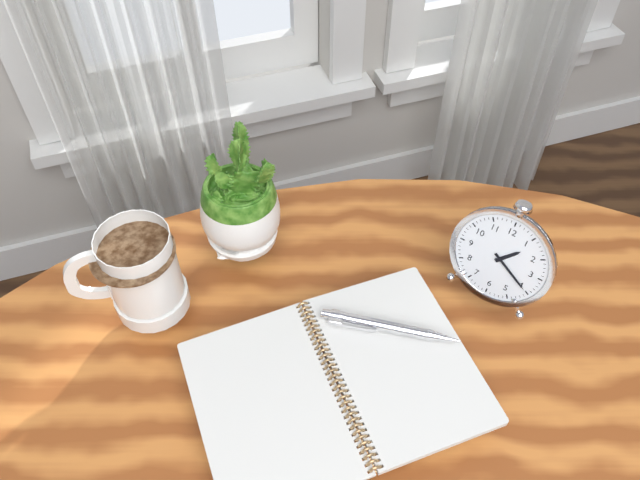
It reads 1:20
